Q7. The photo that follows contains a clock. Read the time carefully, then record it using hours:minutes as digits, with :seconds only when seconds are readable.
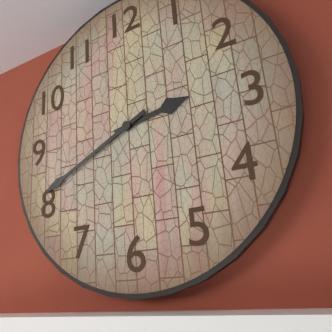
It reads 2:41
